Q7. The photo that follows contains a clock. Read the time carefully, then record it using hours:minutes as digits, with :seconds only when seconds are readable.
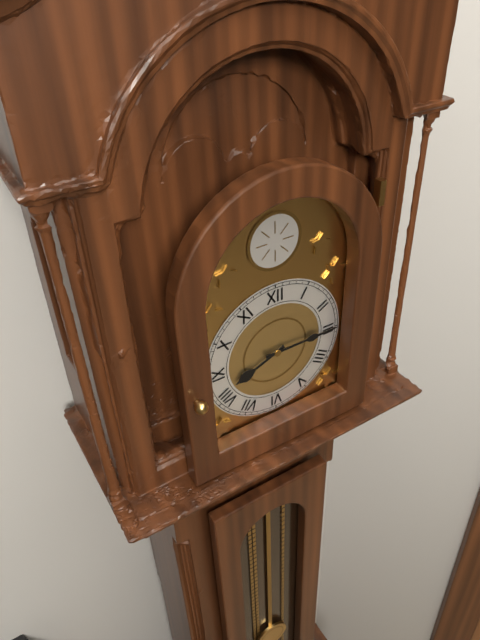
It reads 8:15
